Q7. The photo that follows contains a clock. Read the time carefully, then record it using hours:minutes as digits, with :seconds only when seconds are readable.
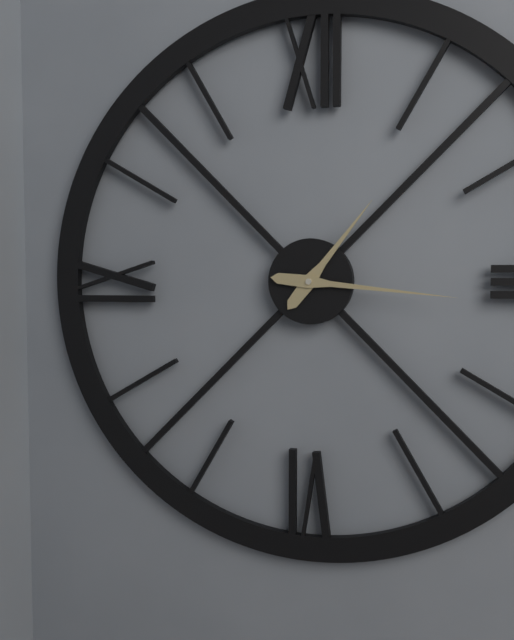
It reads 1:16
